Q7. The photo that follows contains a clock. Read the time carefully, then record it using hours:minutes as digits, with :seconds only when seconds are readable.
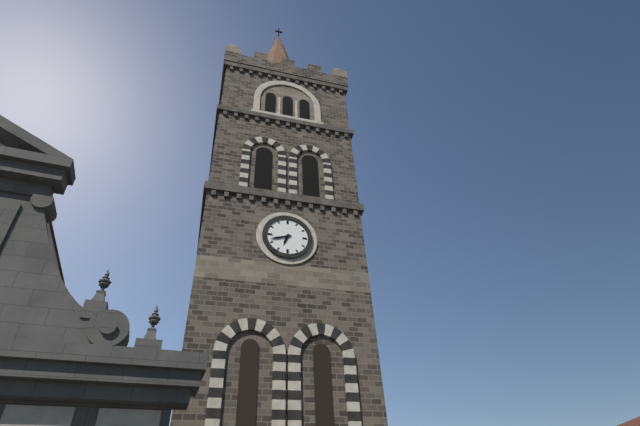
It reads 6:42
